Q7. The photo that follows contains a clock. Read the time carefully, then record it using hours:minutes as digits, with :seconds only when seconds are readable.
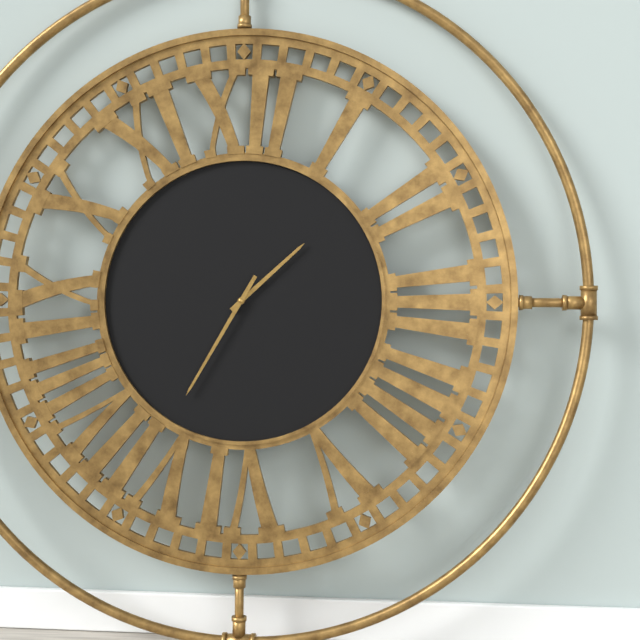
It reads 1:35
